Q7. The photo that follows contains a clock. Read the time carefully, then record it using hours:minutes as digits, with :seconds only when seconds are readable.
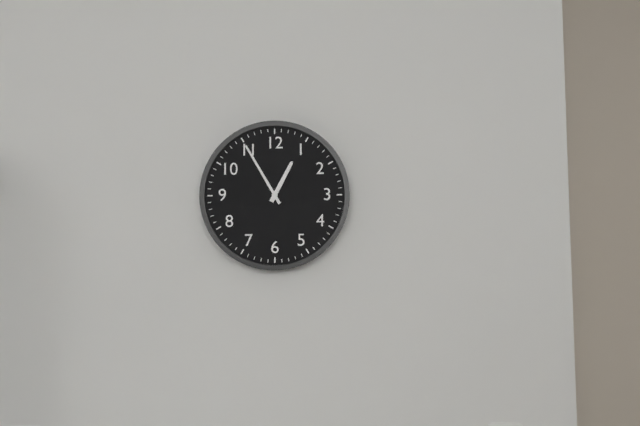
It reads 12:55
